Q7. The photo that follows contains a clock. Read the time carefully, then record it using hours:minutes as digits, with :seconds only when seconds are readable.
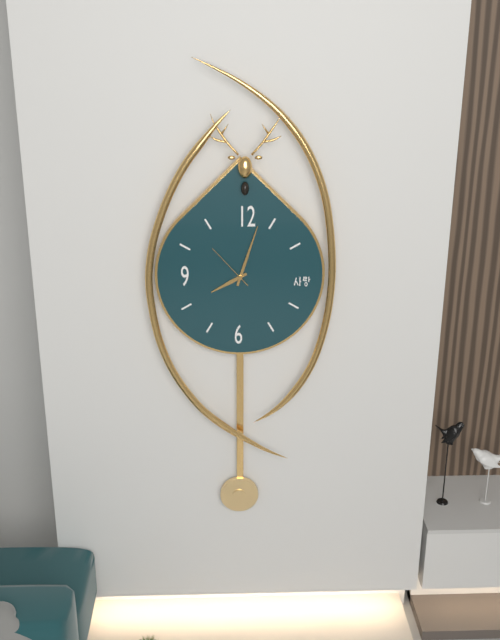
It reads 8:03
